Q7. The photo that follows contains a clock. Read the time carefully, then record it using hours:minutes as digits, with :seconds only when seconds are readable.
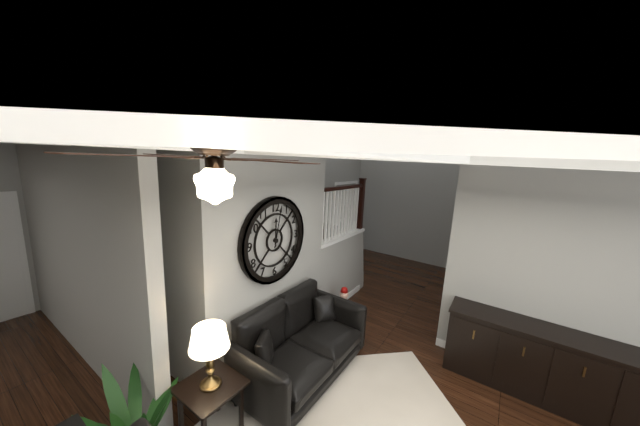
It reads 12:02
